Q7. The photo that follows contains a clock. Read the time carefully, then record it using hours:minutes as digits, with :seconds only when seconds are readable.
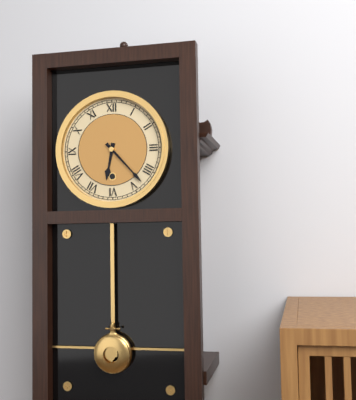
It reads 6:23
